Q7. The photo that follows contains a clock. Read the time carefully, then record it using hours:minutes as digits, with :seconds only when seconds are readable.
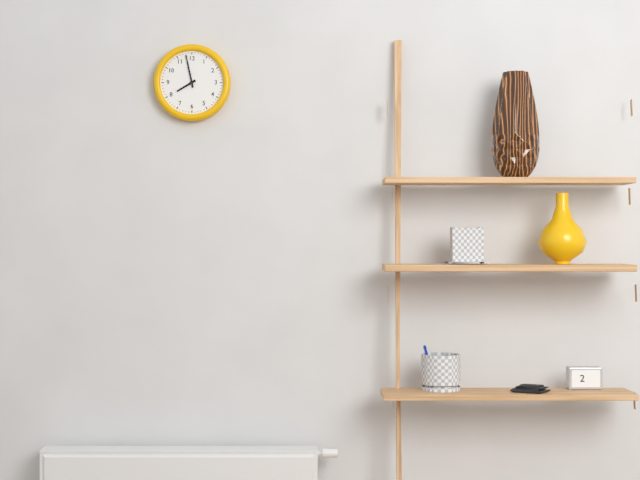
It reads 7:58
